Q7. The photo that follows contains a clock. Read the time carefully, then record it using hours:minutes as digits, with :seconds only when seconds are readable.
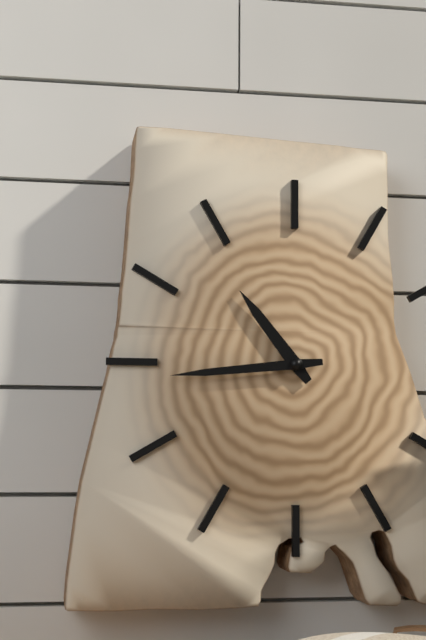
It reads 10:44
